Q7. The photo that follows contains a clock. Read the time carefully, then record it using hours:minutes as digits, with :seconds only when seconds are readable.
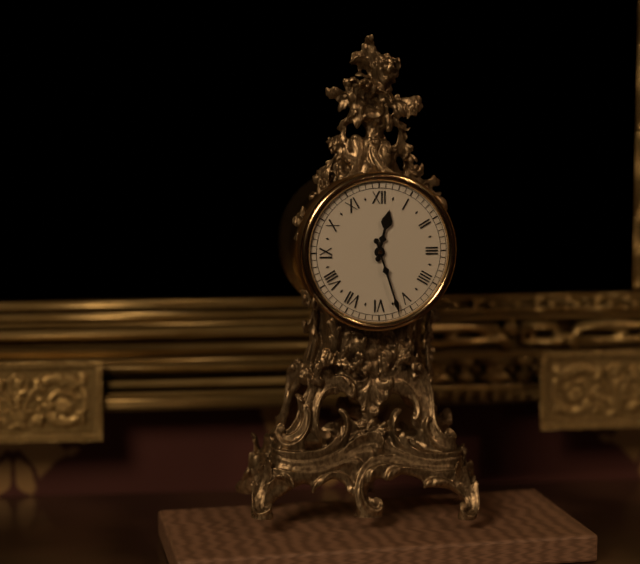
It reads 12:27
